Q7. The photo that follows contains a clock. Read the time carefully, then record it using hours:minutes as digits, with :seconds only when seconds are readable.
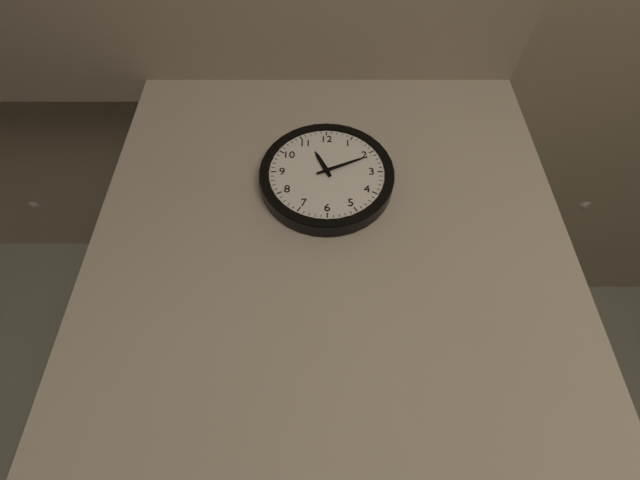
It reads 11:11
